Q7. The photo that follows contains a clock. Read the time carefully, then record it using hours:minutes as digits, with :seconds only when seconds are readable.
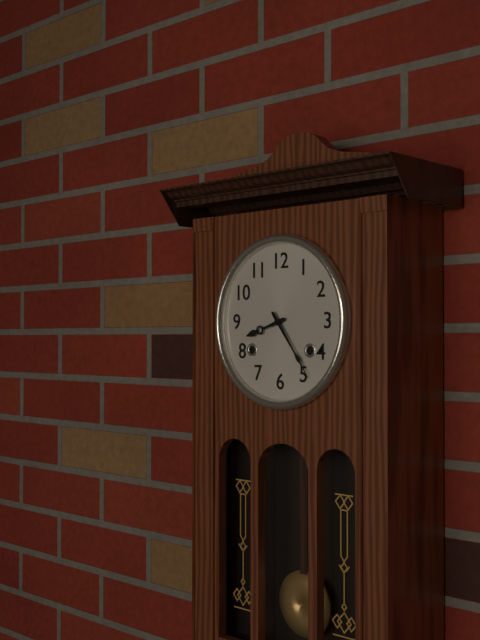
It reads 8:24
